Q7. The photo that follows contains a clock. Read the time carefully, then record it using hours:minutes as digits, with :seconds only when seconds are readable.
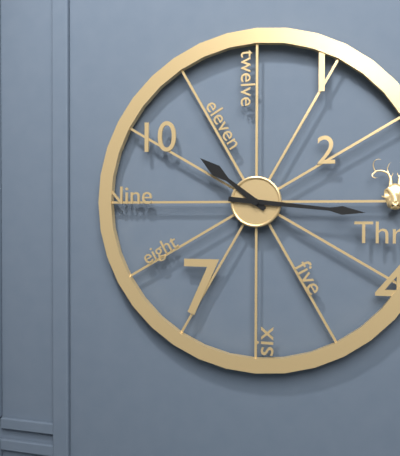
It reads 10:16
